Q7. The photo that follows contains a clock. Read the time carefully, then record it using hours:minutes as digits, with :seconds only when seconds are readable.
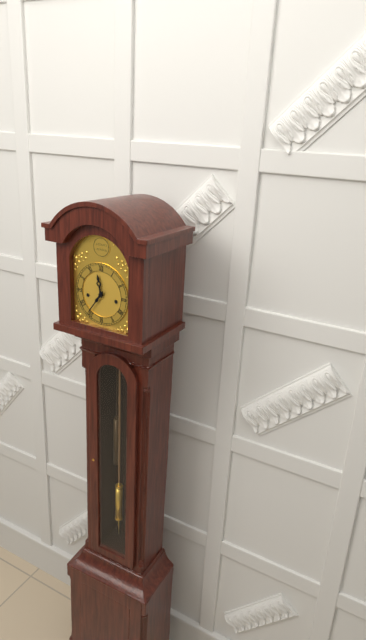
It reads 11:36
